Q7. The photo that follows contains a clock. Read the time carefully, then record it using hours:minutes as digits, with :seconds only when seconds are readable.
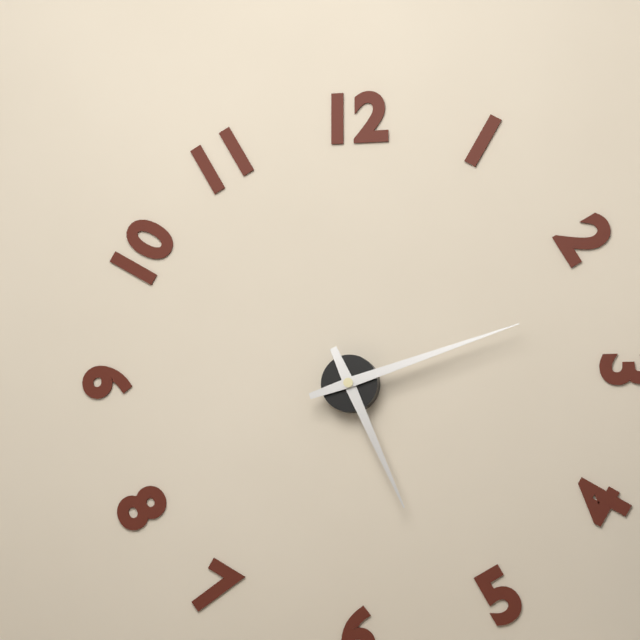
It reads 5:12
